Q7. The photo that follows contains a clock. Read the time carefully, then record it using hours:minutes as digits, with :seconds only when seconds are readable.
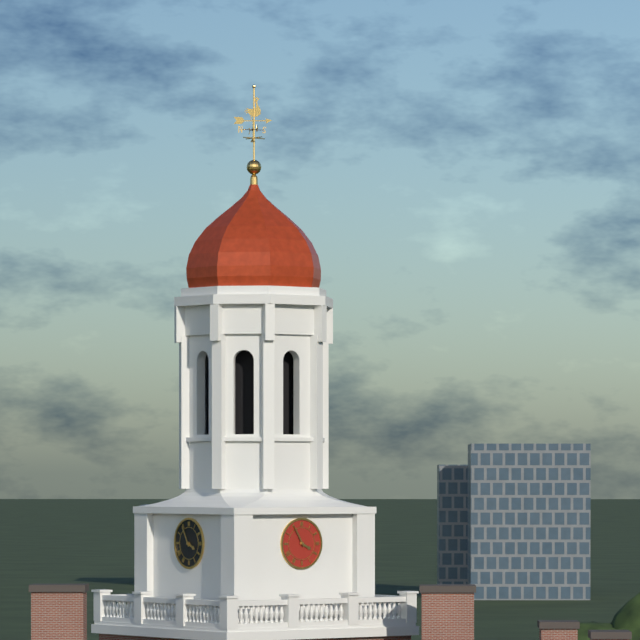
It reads 3:55
